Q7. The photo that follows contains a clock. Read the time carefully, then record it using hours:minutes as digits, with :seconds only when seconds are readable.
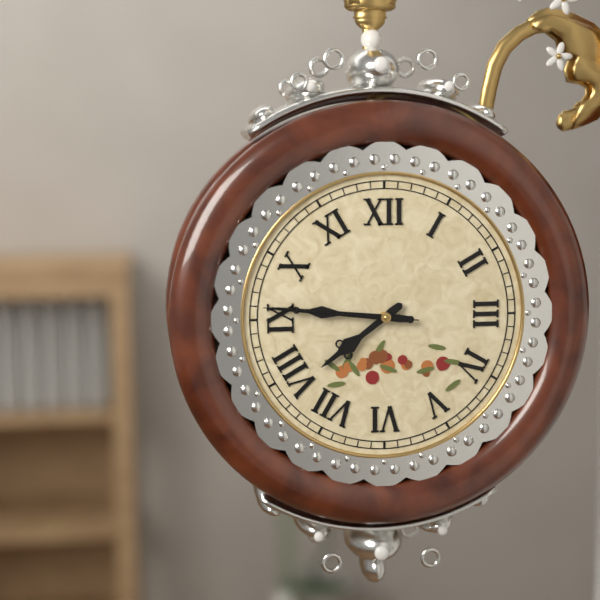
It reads 7:46:46
